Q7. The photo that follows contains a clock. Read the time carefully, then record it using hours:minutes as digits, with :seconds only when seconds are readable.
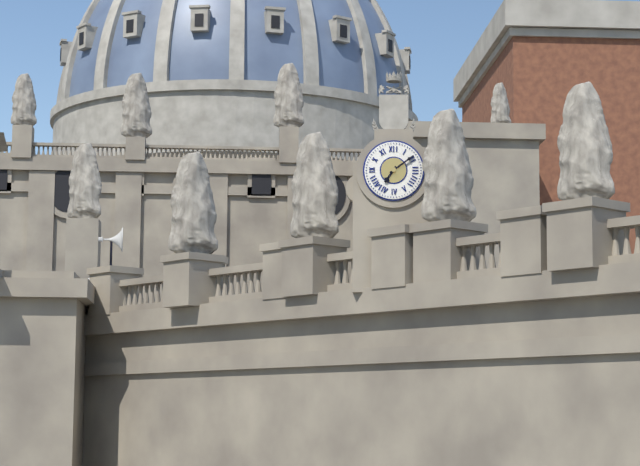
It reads 7:09
